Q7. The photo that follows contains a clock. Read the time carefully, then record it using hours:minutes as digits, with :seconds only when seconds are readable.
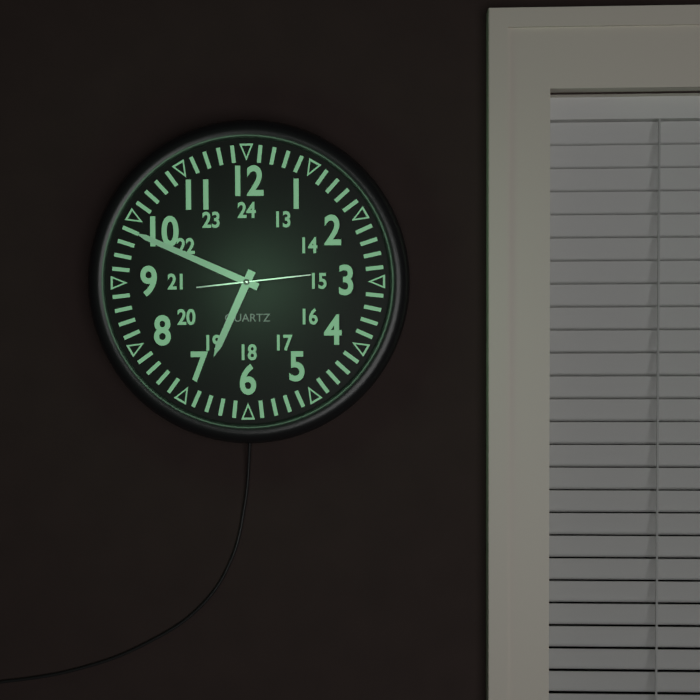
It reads 6:49:14
